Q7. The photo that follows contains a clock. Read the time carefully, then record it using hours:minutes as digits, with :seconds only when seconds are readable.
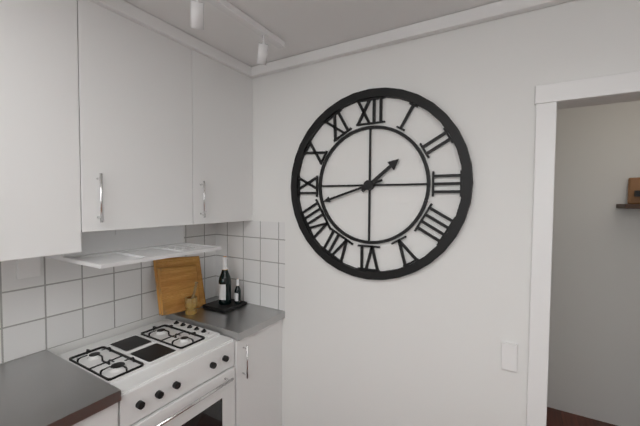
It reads 1:42
